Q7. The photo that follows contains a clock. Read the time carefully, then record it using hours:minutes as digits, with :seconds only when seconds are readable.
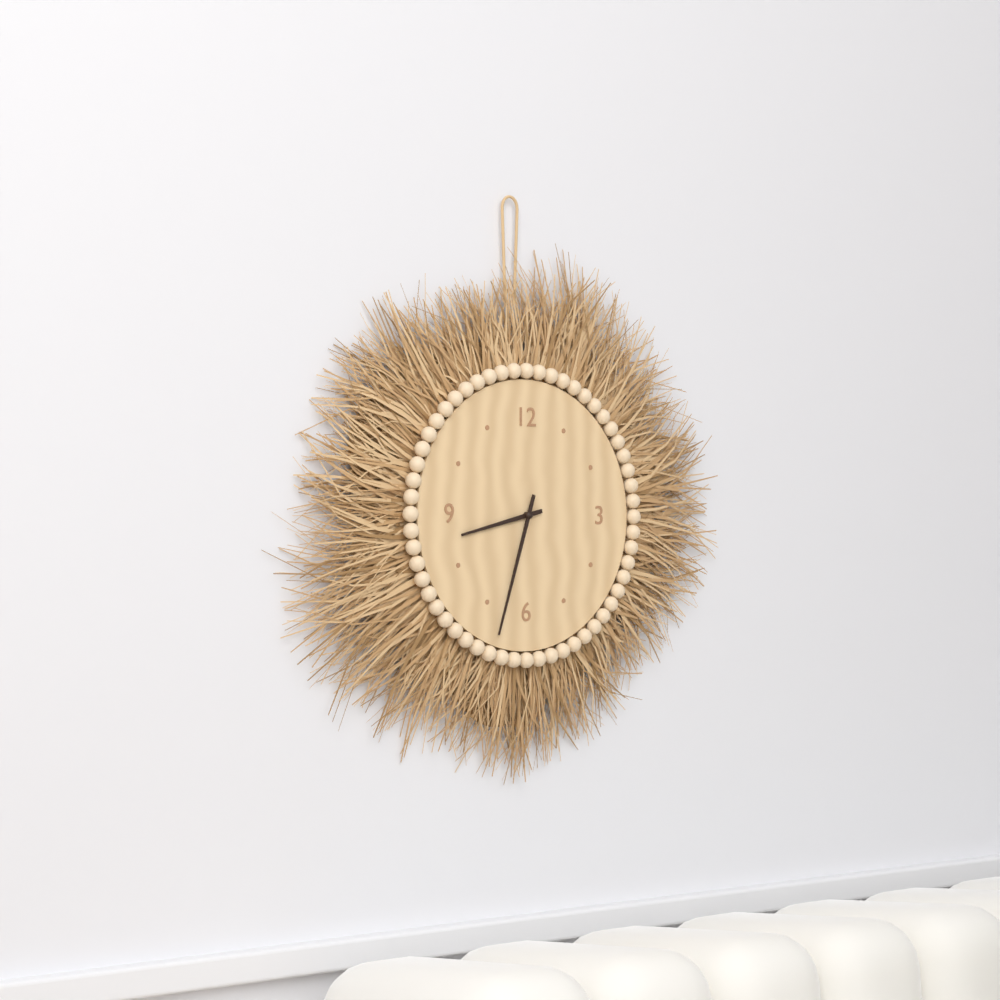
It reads 8:33
